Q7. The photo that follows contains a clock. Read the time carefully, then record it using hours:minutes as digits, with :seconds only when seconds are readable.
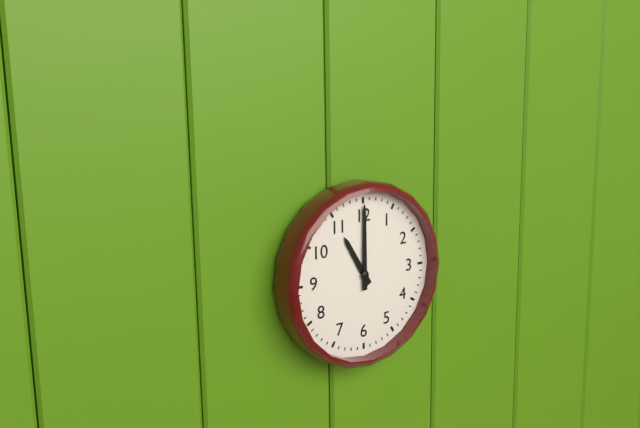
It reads 11:00
